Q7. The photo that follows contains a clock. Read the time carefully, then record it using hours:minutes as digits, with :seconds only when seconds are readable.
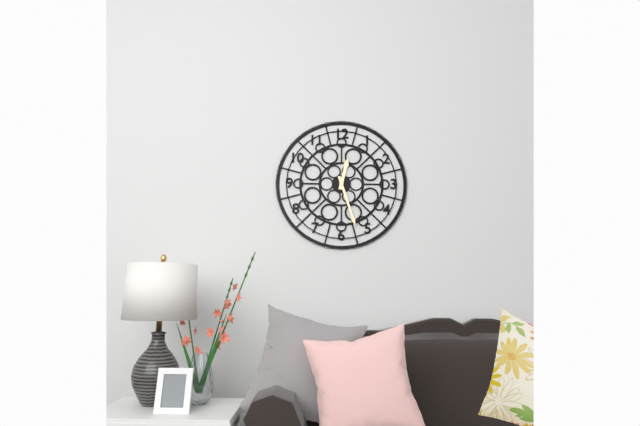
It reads 12:27
